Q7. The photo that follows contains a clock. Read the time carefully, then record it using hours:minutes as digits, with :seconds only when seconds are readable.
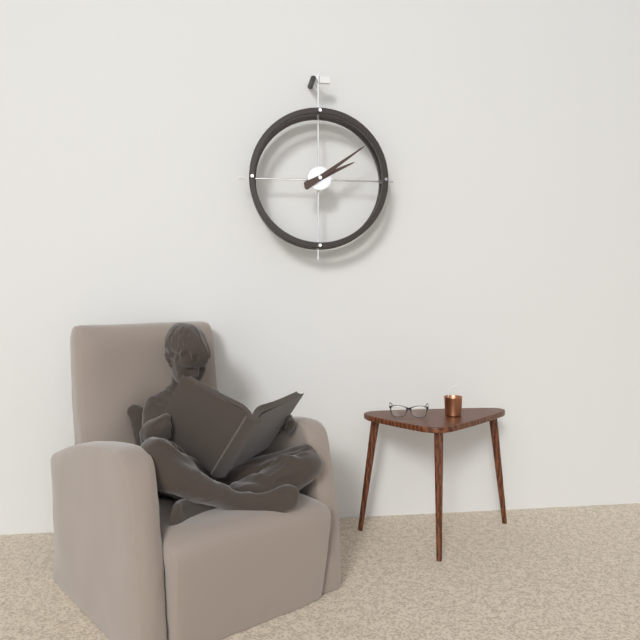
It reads 2:09
